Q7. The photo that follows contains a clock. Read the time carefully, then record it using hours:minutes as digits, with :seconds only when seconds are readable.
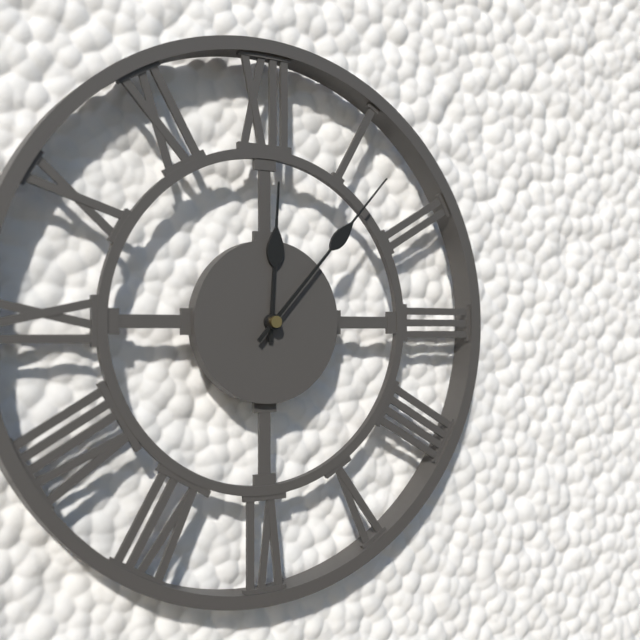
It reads 12:07
